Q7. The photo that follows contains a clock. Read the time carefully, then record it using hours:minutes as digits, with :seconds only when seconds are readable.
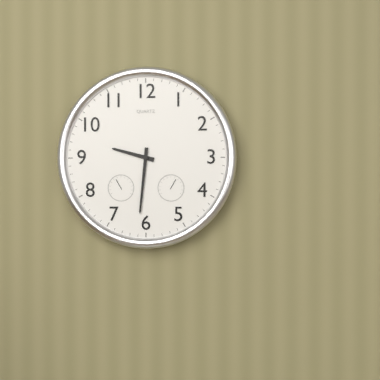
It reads 9:31
